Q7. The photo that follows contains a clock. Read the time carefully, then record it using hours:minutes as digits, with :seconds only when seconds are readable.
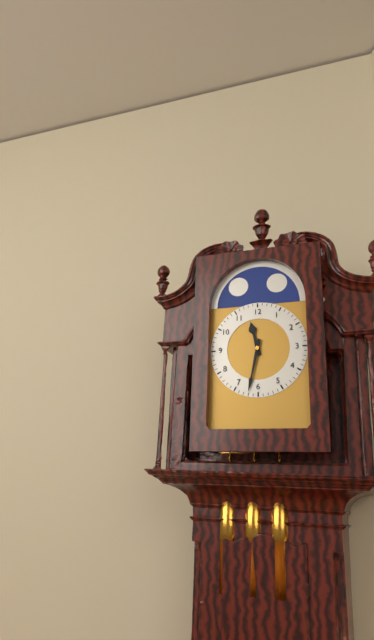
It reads 11:32
